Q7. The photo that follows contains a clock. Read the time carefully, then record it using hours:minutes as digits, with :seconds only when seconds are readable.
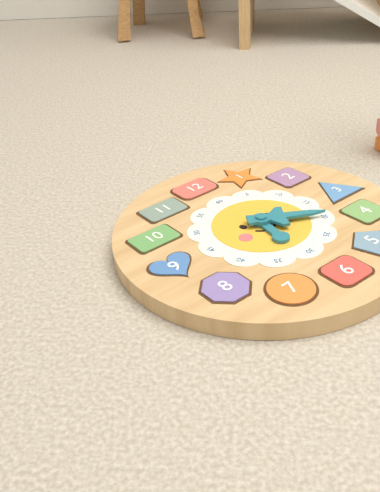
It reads 6:20
